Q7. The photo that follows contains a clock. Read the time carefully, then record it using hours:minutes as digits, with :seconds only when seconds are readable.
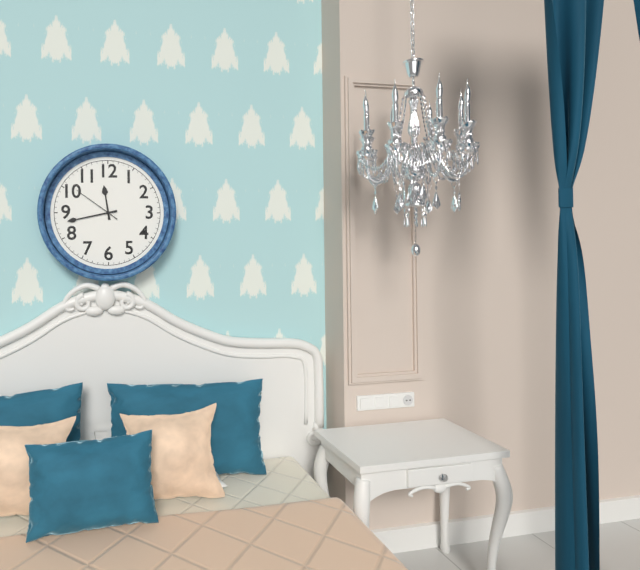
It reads 11:43
